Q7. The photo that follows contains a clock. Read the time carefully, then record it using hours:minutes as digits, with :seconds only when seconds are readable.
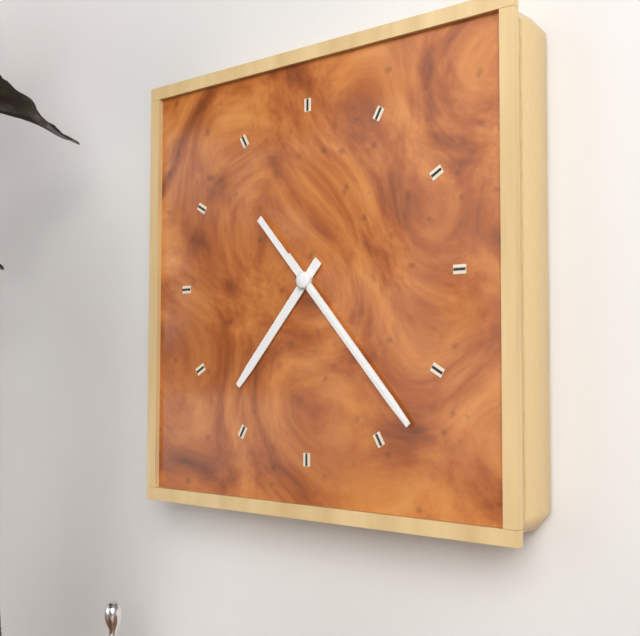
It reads 7:23:23
